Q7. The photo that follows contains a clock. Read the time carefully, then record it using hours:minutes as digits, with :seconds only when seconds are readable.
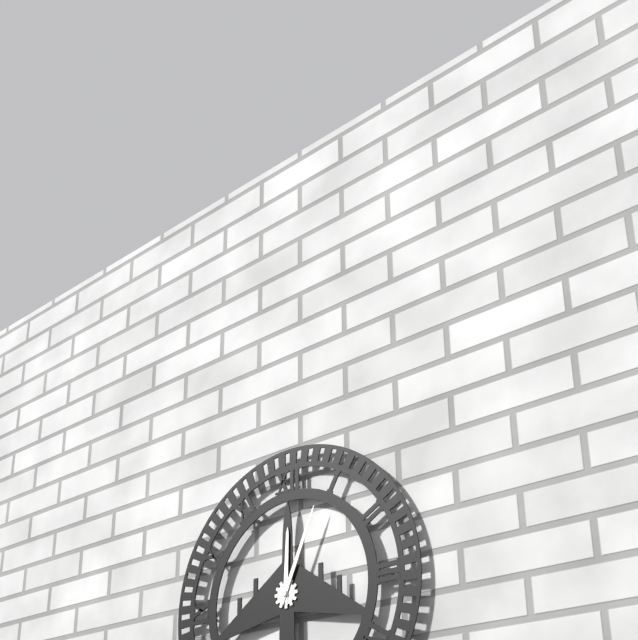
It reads 12:04
